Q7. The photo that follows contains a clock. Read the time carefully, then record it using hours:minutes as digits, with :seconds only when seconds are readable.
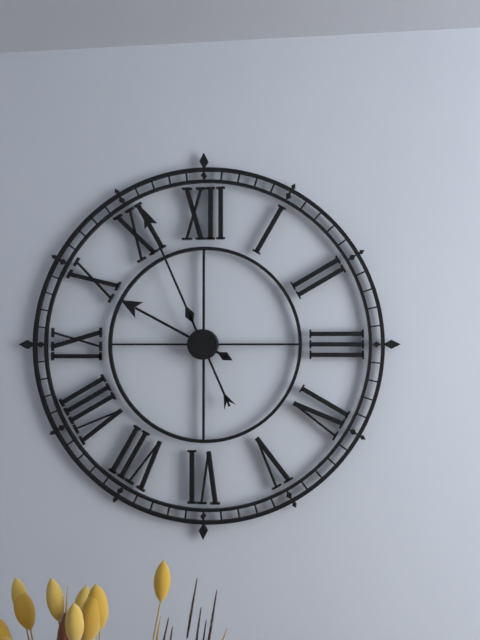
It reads 9:56
